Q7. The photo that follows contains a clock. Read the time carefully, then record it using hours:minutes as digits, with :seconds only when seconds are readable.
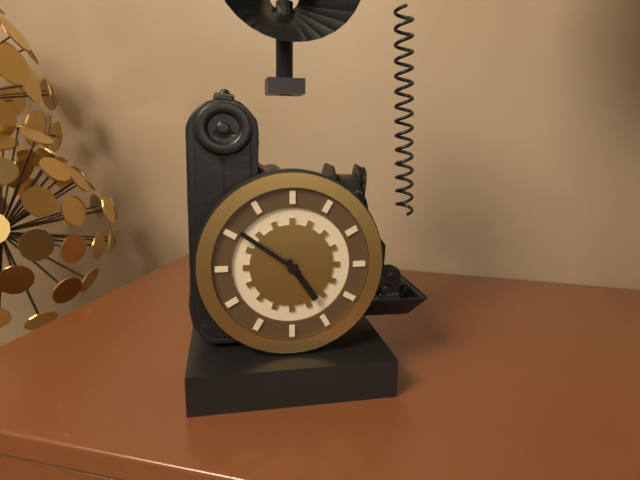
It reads 4:51
